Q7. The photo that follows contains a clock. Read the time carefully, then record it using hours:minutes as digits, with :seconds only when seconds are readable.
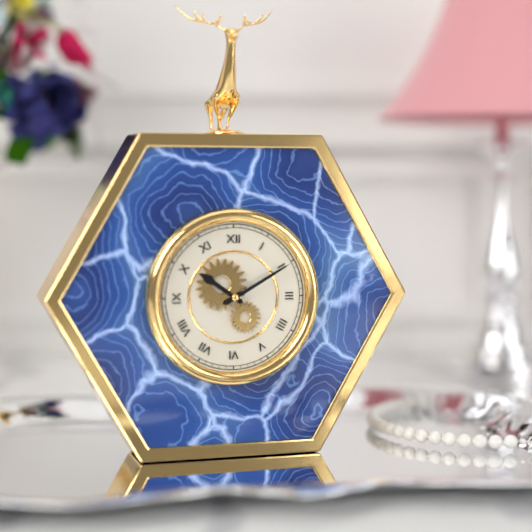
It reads 10:10
